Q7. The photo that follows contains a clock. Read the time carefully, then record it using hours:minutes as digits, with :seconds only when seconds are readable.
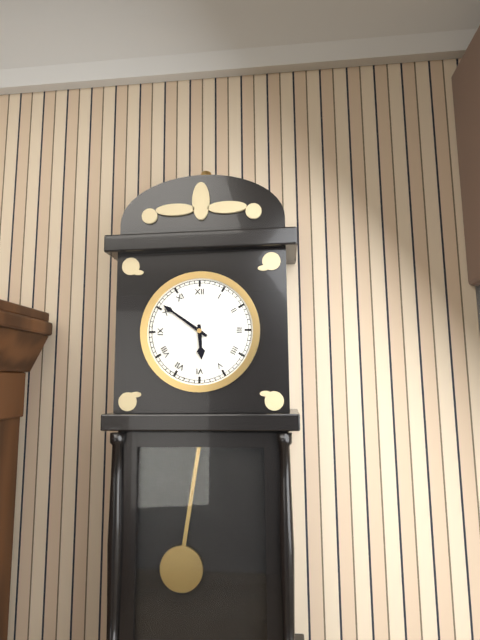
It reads 5:51
